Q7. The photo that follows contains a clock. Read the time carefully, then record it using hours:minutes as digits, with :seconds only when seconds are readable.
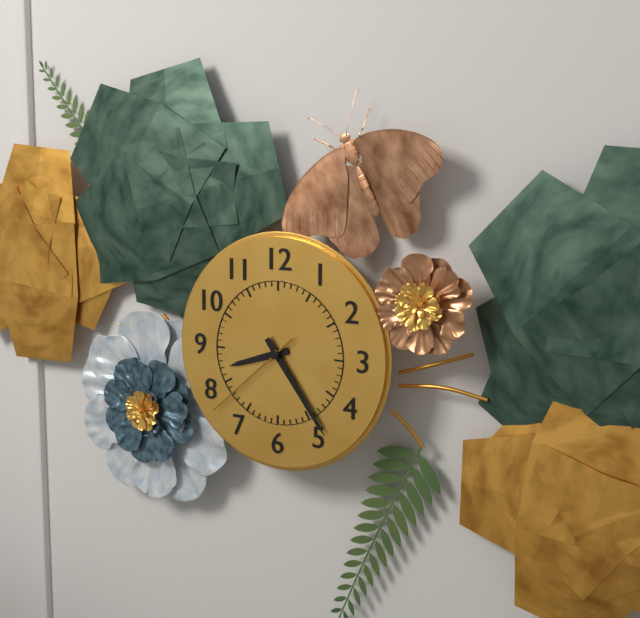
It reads 8:24:38
